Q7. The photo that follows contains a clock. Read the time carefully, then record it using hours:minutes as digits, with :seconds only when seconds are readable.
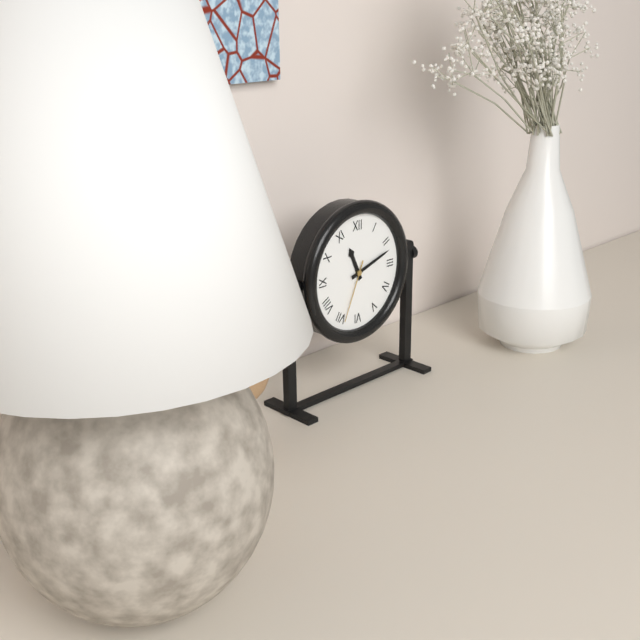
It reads 11:12:34
